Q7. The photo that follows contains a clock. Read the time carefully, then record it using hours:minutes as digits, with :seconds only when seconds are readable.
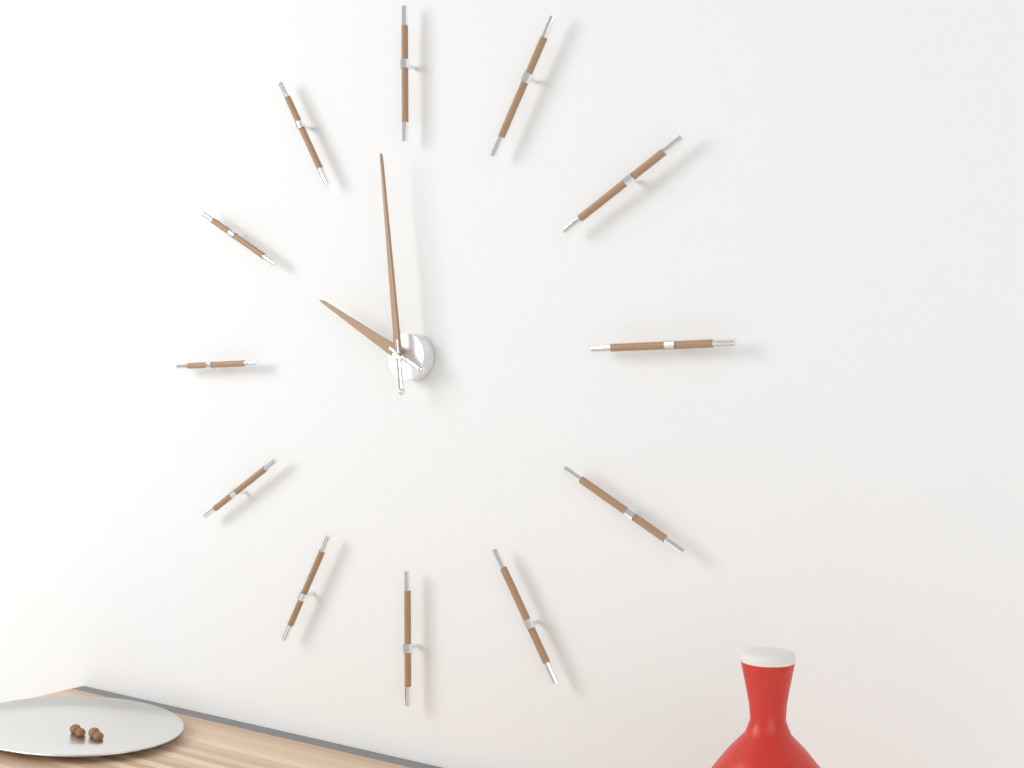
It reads 9:59
